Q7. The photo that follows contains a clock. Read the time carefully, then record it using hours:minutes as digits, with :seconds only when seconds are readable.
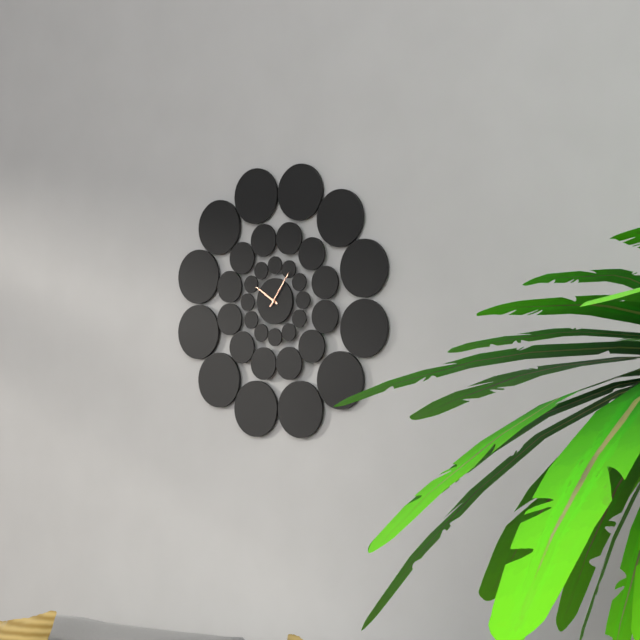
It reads 10:06
